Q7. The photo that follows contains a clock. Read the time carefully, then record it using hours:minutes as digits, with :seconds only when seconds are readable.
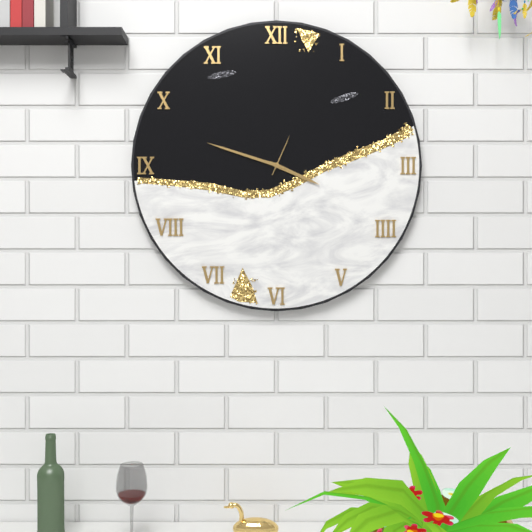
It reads 3:48
